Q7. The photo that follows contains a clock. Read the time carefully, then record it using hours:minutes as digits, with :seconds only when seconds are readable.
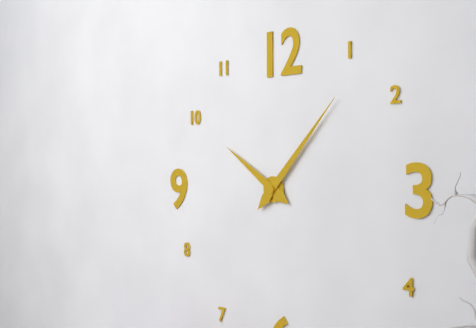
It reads 10:07
